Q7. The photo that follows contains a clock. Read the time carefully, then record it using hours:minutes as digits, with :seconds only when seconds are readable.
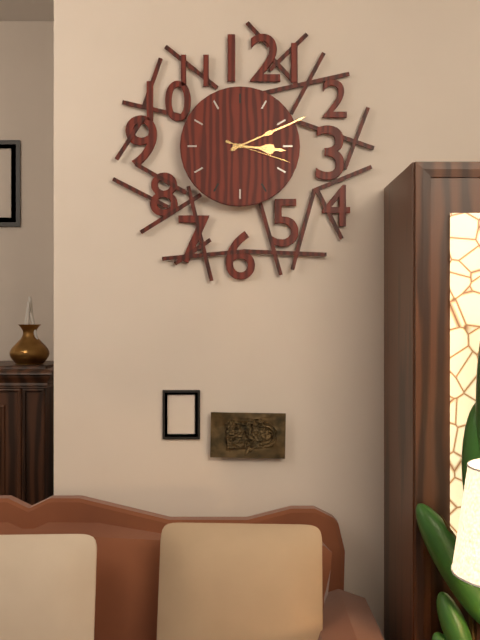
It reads 3:11:18
